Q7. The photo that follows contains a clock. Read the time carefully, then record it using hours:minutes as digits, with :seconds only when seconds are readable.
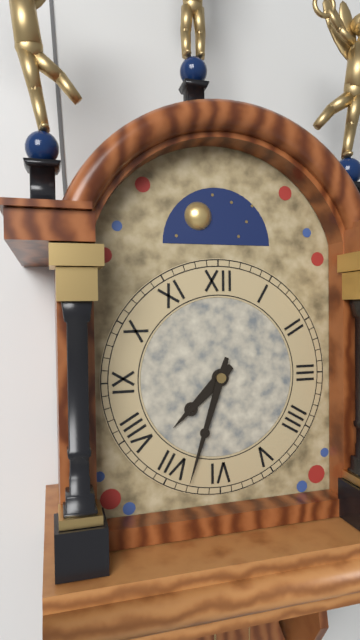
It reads 7:33
